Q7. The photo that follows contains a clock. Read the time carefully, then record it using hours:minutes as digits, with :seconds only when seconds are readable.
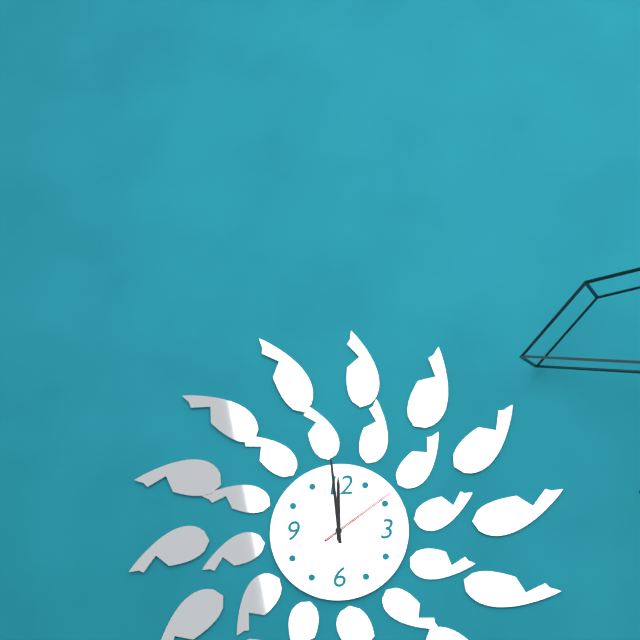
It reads 11:59:09
